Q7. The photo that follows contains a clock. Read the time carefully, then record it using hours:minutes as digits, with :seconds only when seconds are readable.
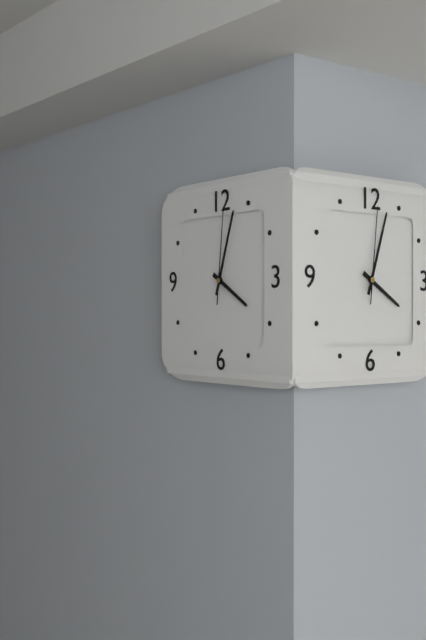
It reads 4:03:01
